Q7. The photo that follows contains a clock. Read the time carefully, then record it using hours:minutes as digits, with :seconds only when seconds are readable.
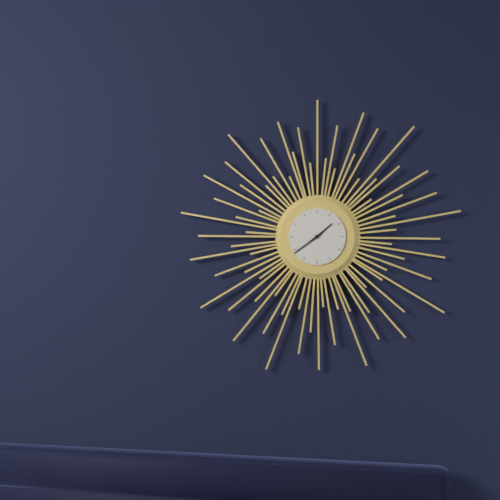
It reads 1:39
